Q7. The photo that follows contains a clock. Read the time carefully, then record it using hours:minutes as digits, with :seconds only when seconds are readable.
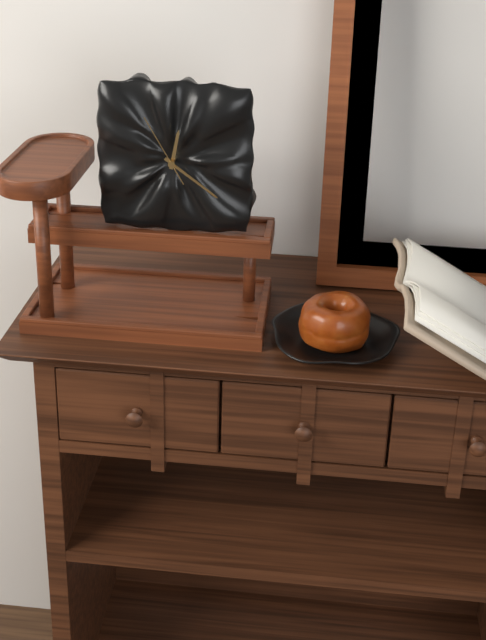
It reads 12:21:55
